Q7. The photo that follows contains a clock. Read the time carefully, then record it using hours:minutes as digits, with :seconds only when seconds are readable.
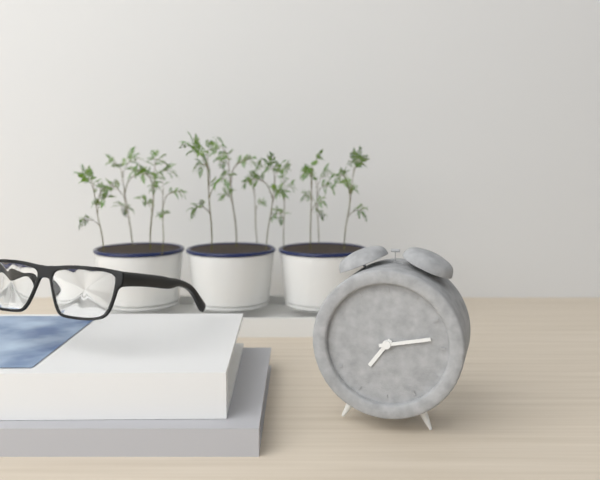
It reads 7:13
